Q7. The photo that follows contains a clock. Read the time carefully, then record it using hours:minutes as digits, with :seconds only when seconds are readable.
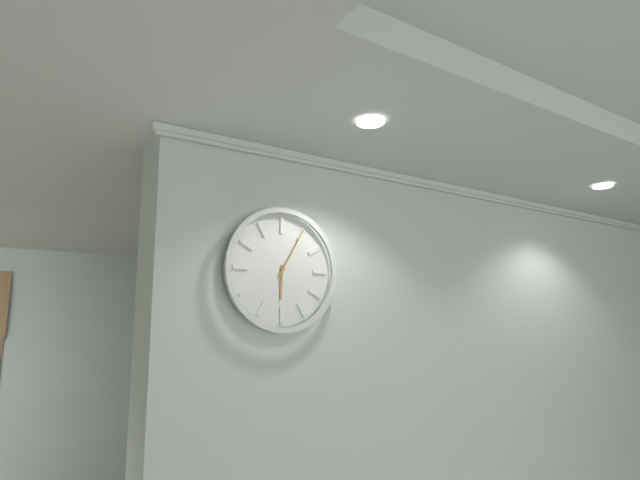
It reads 6:05
